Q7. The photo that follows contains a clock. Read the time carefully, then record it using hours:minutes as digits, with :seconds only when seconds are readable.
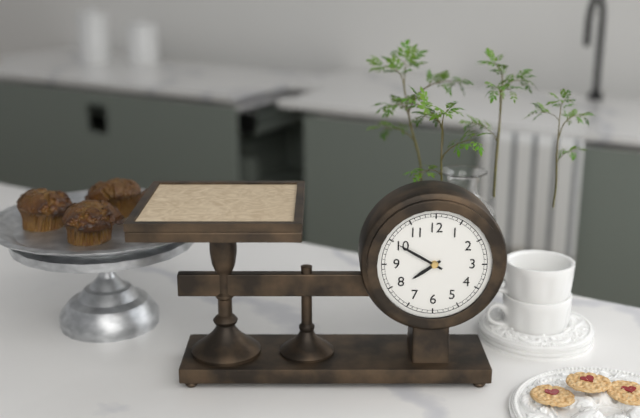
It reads 7:50
